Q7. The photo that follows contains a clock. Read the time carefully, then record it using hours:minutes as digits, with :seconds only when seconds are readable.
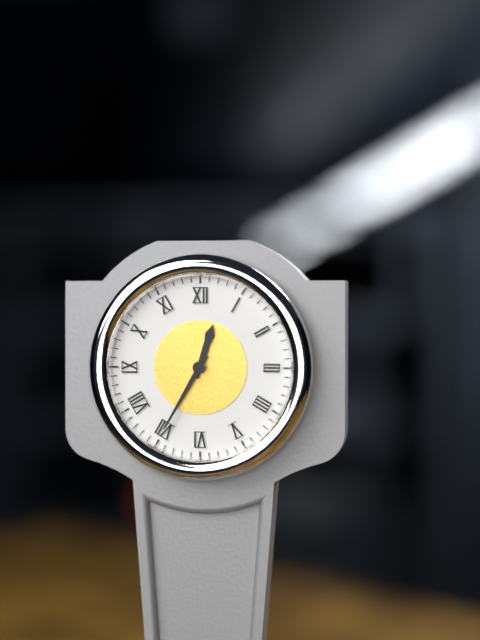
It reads 12:35
